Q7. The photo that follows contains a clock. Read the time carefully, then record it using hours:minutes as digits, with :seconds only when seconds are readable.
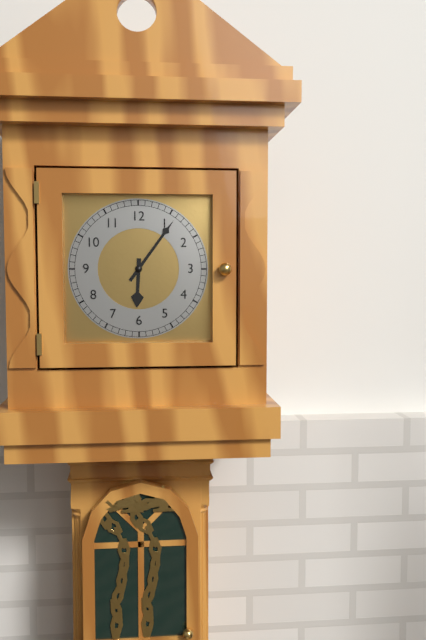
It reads 6:06
